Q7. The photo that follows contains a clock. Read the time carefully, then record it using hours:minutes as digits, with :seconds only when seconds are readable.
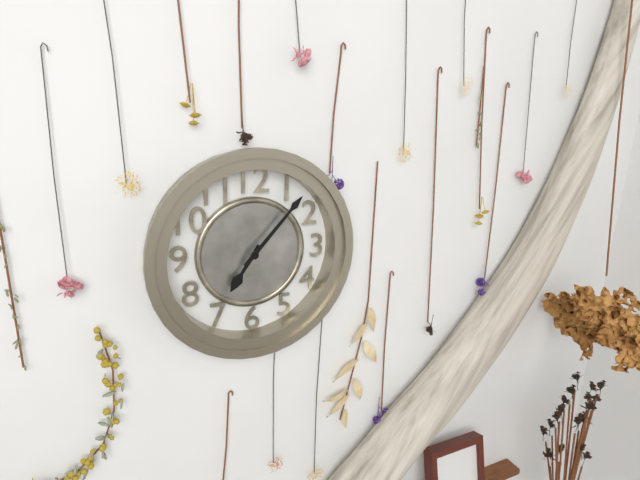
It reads 7:07
